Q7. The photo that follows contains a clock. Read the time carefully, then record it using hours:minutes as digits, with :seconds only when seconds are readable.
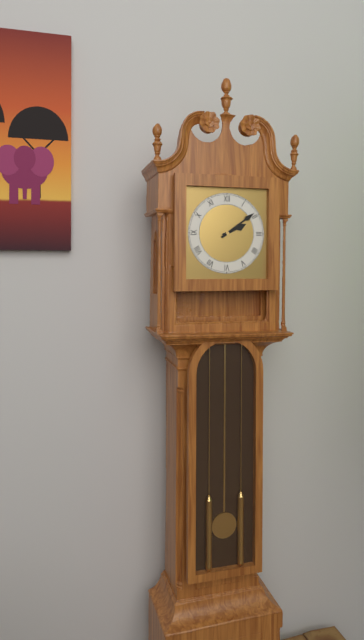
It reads 2:09
